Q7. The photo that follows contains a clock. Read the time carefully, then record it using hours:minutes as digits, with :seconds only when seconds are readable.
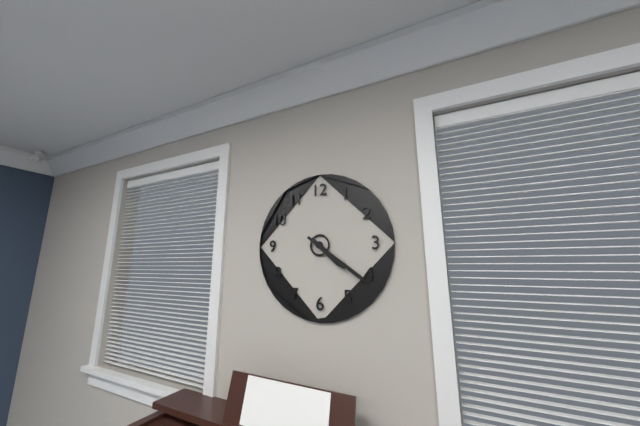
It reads 4:21
